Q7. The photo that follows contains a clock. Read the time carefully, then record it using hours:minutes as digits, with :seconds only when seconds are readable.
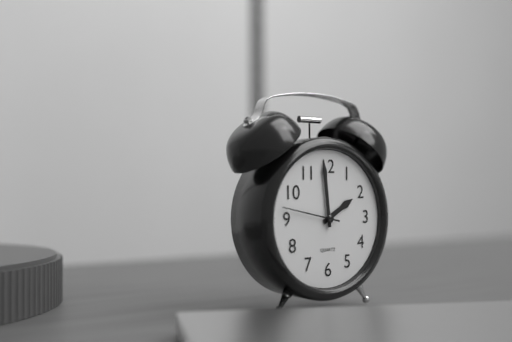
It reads 1:59:47
